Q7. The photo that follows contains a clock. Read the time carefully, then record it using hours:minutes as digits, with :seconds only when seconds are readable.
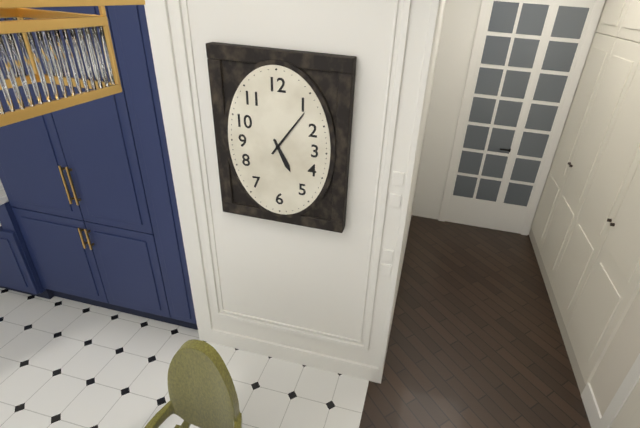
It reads 5:06
